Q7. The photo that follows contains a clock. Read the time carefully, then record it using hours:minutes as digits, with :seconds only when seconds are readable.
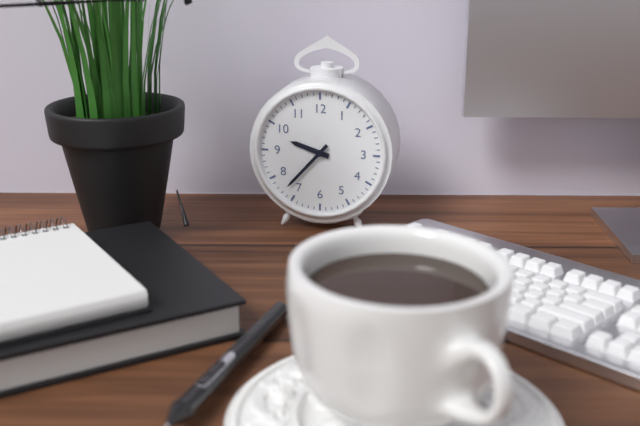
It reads 9:37
